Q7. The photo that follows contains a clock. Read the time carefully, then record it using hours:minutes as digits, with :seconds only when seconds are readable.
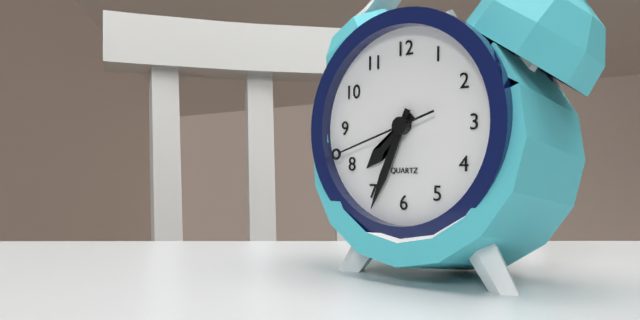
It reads 7:34:42
